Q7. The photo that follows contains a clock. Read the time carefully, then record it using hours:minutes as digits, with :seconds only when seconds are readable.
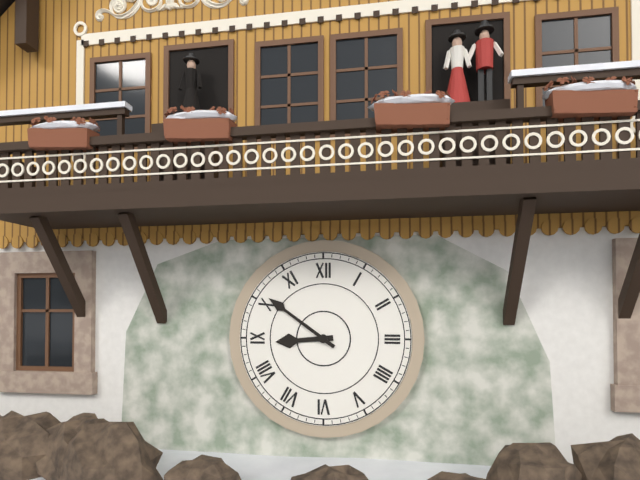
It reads 8:51
